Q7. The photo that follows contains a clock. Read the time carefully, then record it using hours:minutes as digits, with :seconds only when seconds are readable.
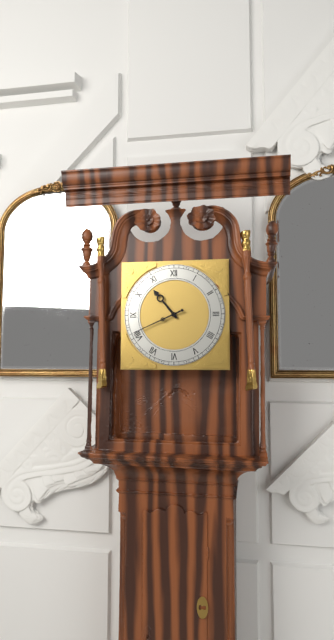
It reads 10:41
